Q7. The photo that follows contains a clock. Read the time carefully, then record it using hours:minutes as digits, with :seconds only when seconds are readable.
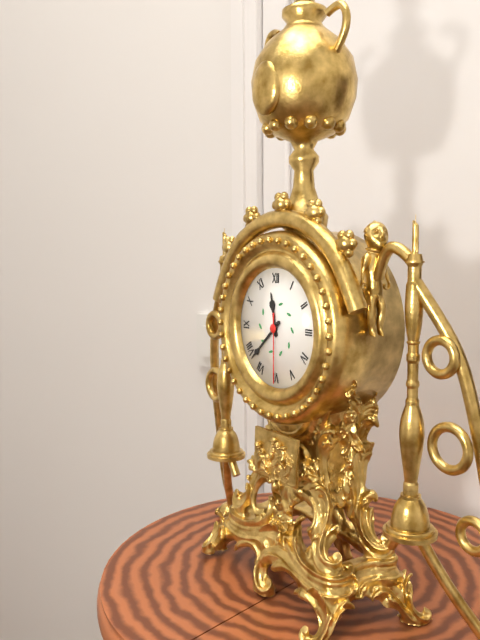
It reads 11:38:30
